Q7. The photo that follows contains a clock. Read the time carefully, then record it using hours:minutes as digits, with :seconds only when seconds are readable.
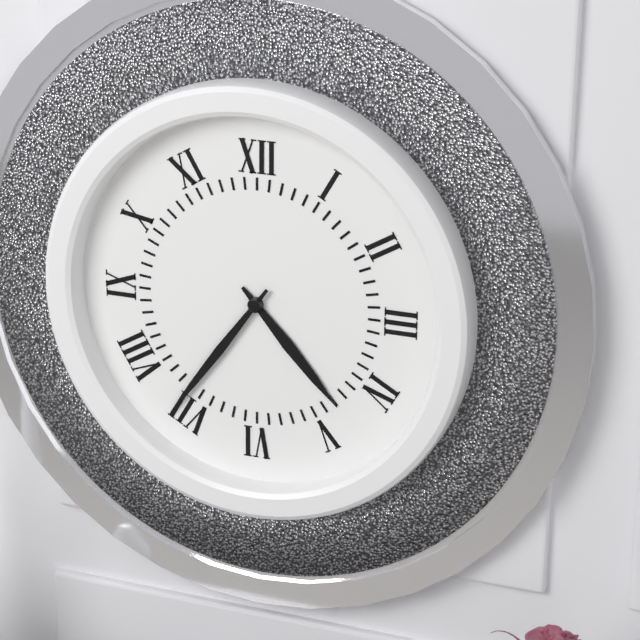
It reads 4:36
